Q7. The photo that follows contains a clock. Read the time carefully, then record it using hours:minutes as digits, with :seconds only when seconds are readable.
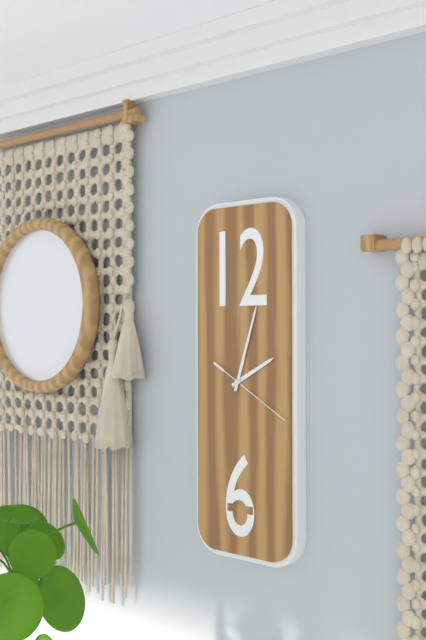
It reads 2:03:20
